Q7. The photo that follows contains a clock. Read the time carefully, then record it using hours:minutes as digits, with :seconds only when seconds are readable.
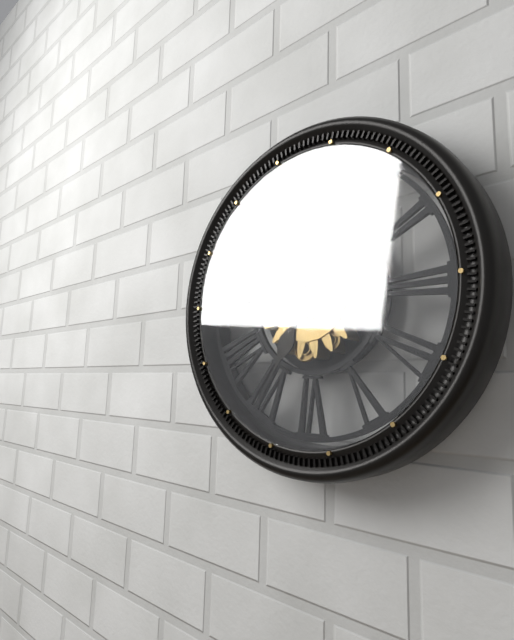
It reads 6:56
